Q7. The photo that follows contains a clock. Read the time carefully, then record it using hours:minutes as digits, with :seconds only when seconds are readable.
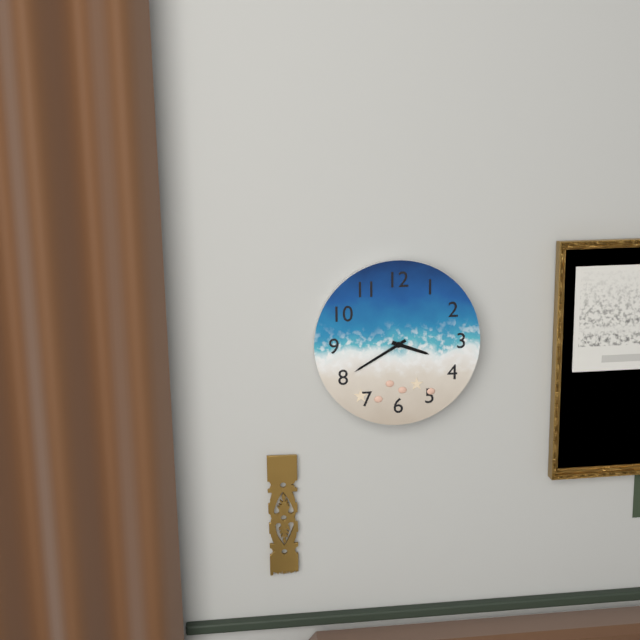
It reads 3:40
